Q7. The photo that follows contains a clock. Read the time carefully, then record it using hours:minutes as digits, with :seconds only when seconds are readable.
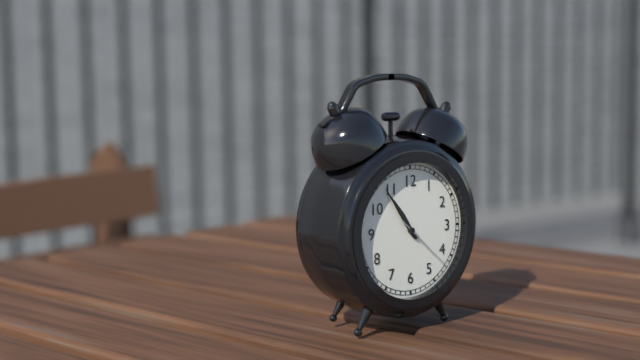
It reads 10:54:22
